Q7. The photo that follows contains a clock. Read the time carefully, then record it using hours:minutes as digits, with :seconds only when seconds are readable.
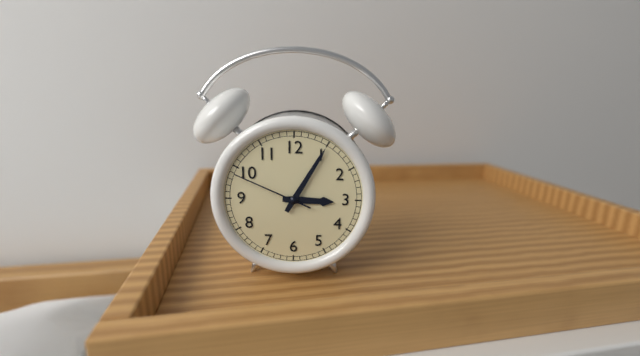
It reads 3:05:49
